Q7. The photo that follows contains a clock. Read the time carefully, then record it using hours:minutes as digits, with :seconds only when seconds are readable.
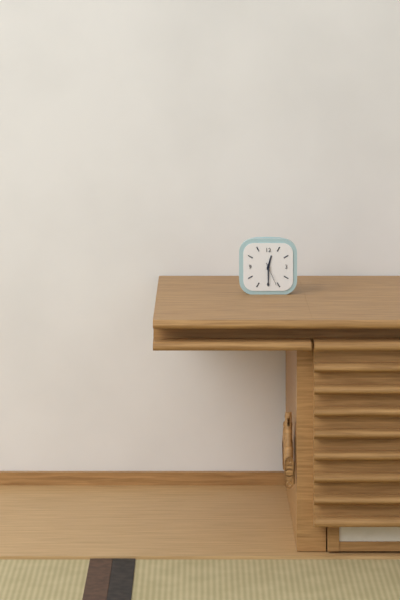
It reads 12:30
